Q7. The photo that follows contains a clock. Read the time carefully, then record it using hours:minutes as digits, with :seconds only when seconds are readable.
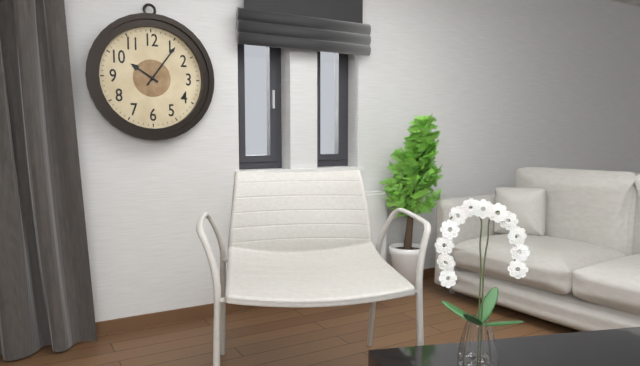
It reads 10:06
